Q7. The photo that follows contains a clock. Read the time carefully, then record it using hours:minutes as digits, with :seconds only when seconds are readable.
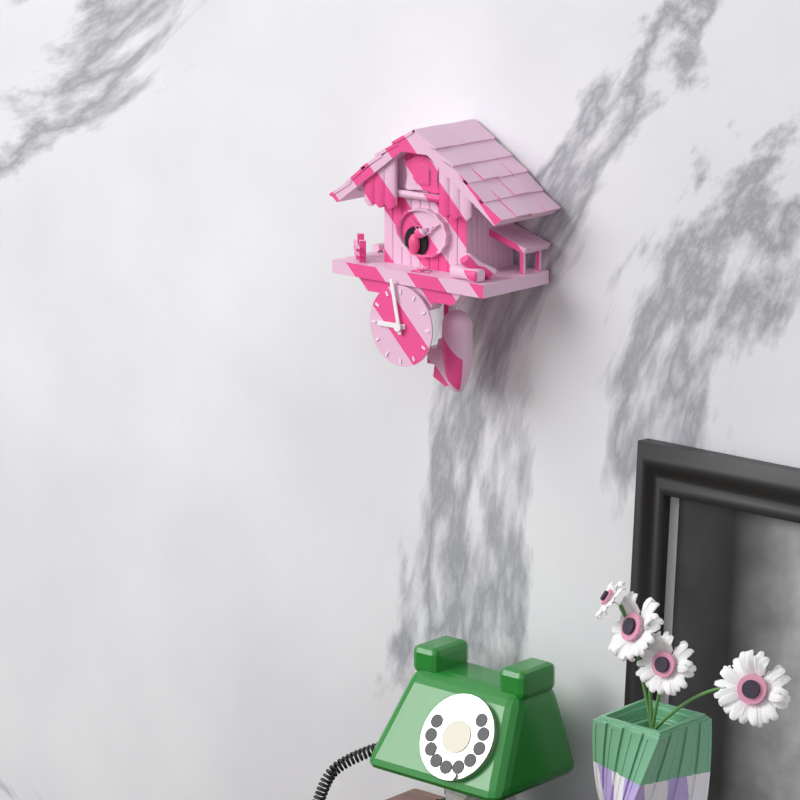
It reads 8:58
